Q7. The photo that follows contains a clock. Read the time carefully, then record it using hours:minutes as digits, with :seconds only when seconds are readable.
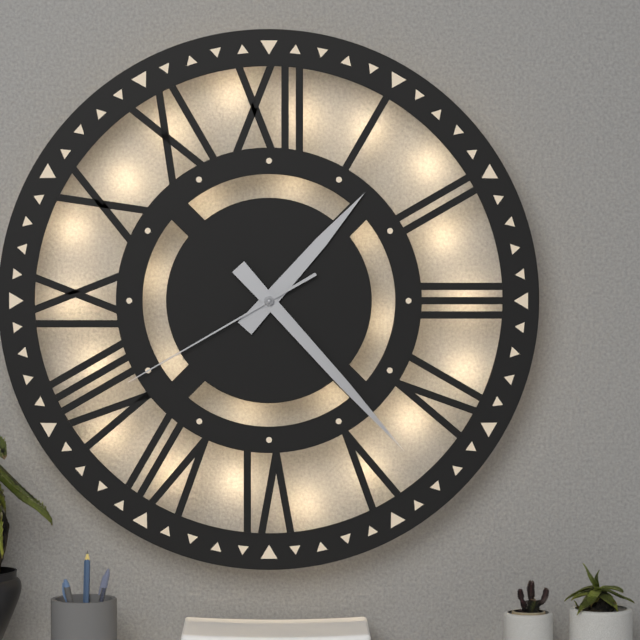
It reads 1:23:40
